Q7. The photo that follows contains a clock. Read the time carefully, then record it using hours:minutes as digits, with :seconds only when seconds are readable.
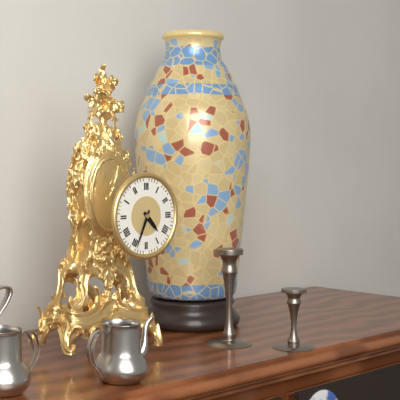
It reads 4:34
